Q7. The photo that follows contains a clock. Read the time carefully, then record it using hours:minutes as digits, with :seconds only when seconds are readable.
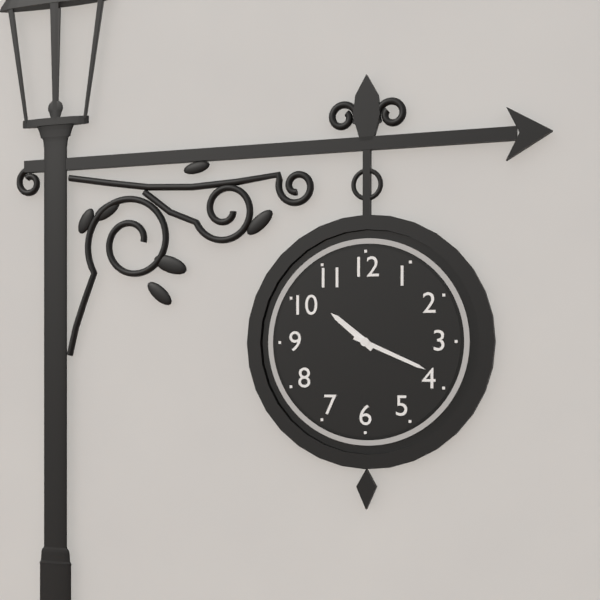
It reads 10:19
